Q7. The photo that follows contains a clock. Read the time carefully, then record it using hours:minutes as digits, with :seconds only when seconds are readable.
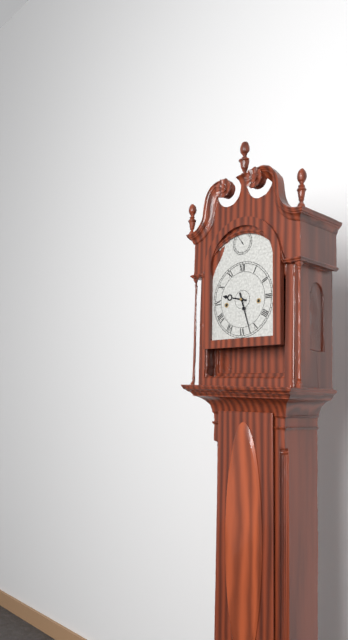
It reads 9:27
